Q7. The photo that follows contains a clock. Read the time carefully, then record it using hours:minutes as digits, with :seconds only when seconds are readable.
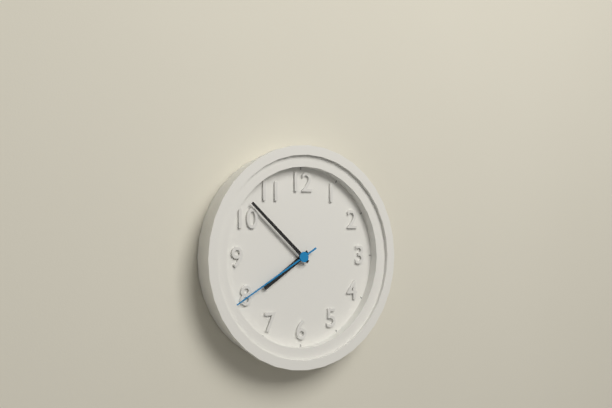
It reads 7:52:40
